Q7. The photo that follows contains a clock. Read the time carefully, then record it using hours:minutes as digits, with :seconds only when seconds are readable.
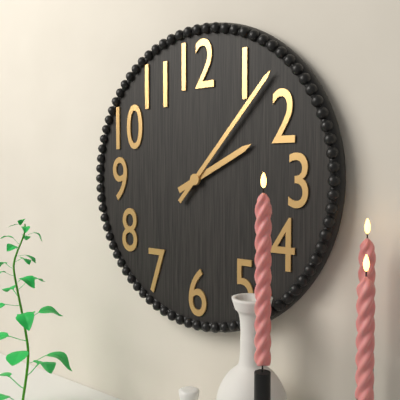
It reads 2:07
